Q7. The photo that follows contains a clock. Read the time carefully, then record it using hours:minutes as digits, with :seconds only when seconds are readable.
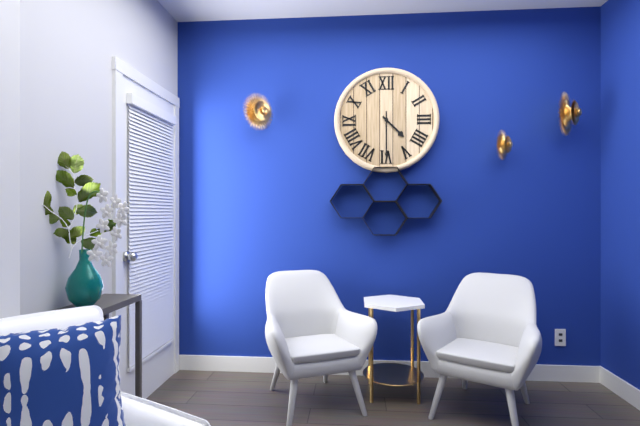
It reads 4:30
